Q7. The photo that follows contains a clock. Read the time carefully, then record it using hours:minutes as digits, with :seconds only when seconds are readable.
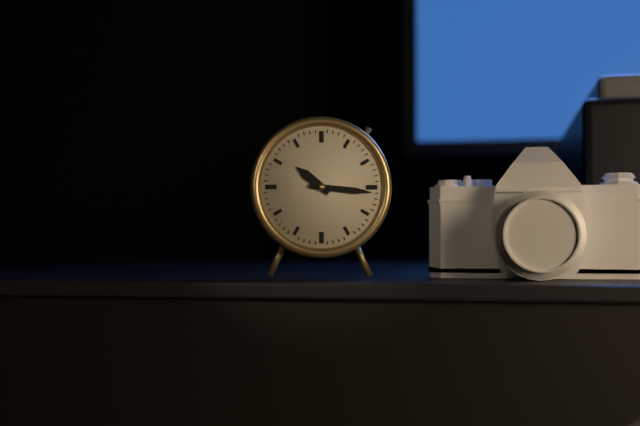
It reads 10:16
